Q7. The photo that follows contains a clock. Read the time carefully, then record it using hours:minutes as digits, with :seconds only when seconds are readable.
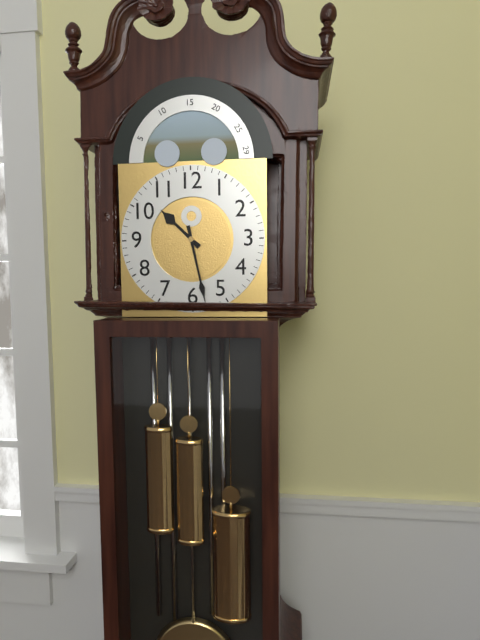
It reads 10:28
